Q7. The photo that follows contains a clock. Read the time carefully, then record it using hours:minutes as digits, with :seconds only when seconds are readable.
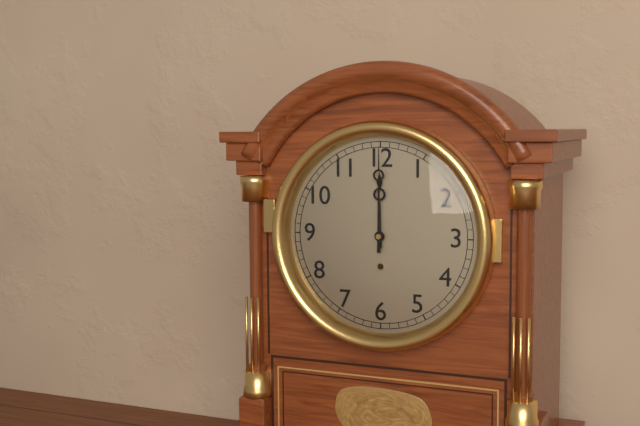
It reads 12:00
